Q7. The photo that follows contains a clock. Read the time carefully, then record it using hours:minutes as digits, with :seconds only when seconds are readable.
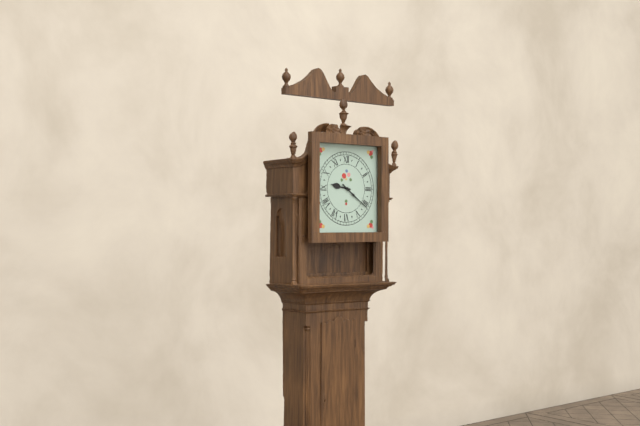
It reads 9:21
